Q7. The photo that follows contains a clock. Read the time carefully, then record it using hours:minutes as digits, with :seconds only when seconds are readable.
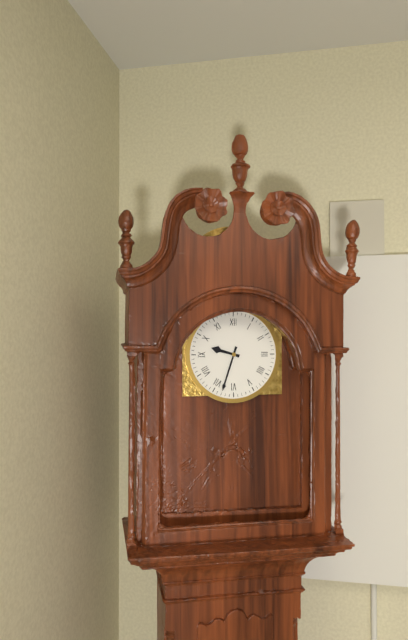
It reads 9:33
